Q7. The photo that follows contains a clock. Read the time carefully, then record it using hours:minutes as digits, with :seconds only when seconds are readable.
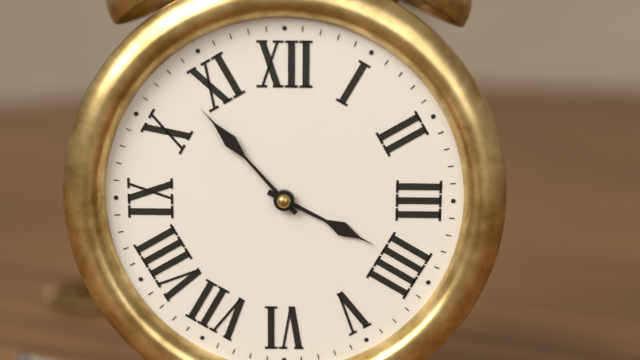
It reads 3:53
